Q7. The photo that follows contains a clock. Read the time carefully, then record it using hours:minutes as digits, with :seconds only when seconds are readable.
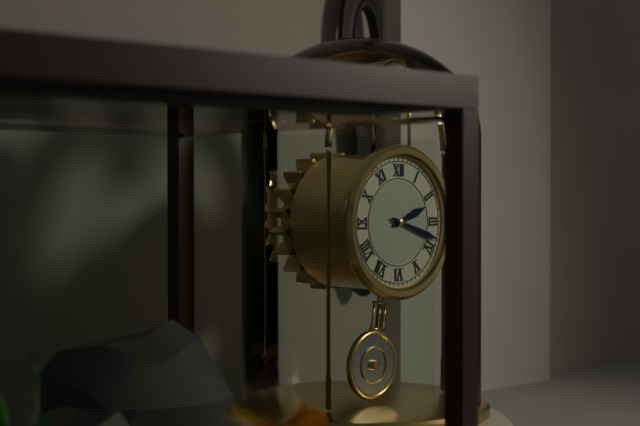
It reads 2:18
